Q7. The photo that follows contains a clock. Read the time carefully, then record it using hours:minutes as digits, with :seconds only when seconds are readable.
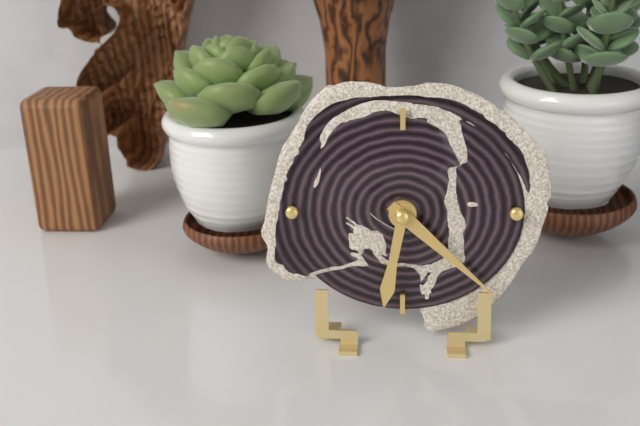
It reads 6:22
